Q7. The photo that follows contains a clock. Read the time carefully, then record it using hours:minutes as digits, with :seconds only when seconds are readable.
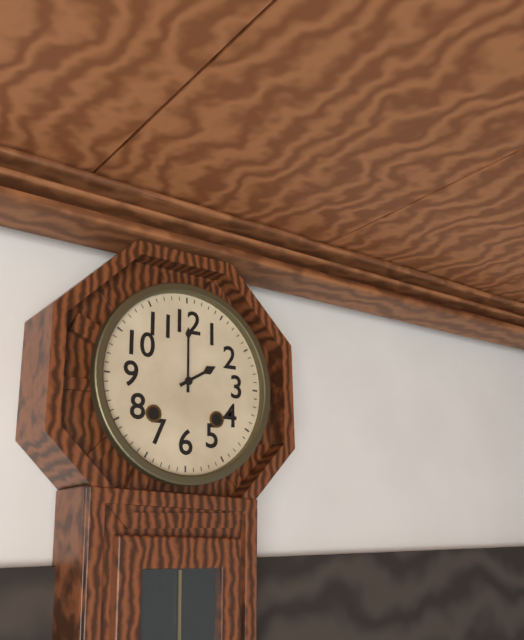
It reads 2:00
